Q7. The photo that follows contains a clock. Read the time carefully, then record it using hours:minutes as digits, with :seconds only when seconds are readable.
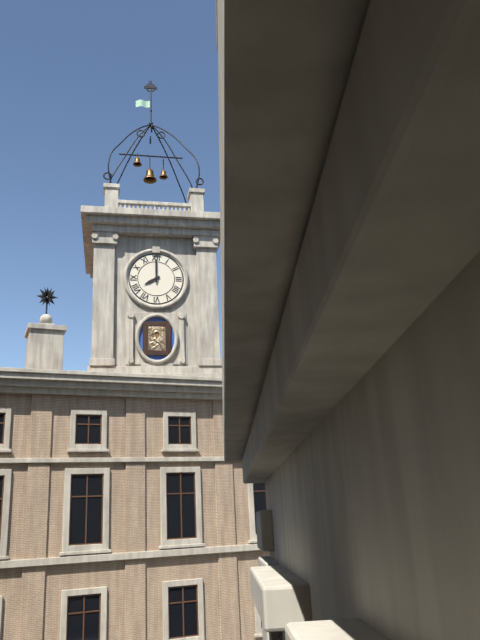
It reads 8:00
